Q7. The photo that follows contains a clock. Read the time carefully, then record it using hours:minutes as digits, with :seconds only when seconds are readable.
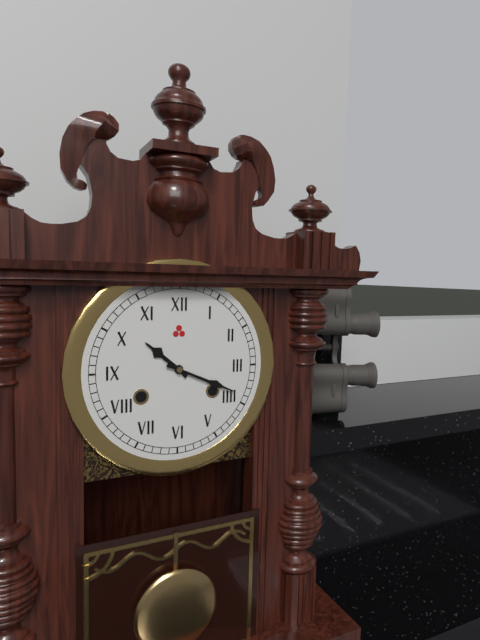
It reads 10:19
